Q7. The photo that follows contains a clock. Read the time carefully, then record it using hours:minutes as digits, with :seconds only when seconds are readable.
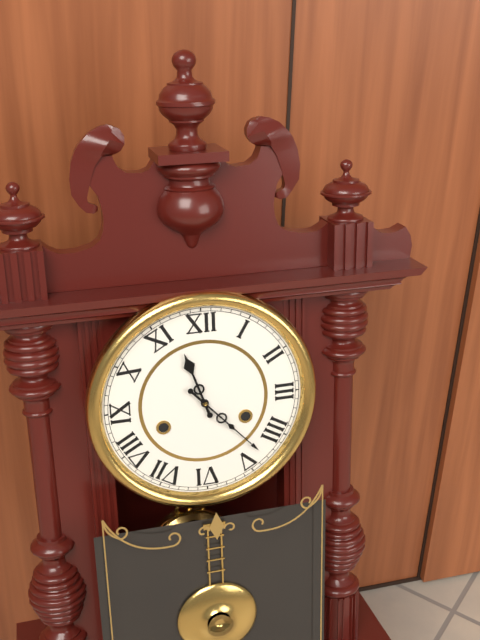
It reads 11:23
